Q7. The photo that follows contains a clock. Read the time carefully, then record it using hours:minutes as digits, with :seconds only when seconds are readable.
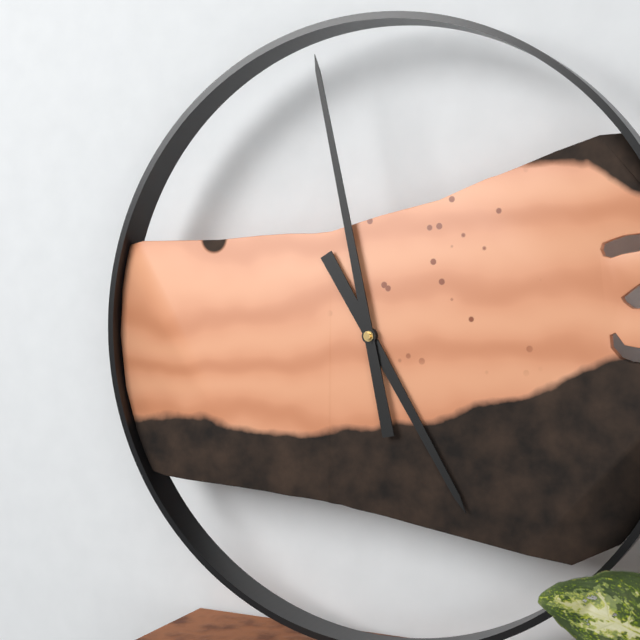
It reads 4:58
